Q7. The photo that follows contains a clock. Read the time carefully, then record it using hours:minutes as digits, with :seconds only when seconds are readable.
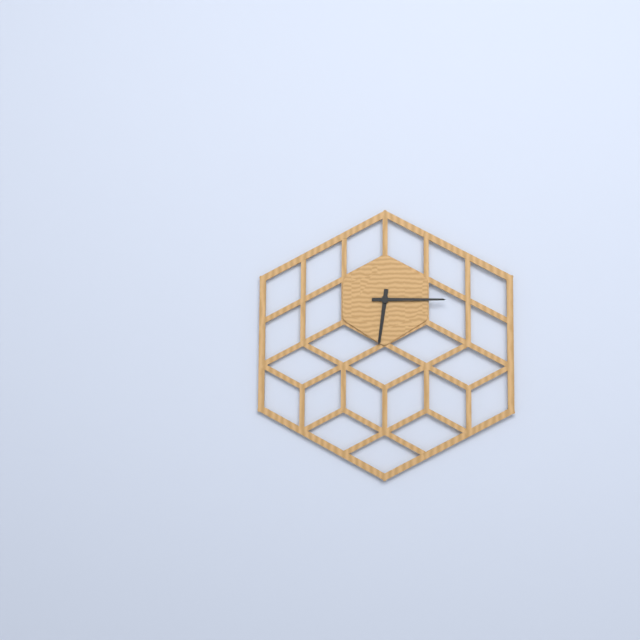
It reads 6:15
